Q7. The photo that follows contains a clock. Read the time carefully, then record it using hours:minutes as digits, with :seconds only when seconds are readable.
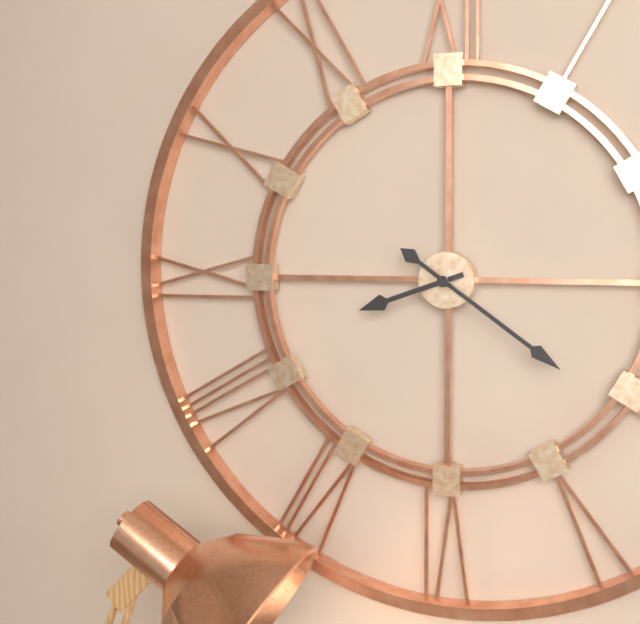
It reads 8:21
